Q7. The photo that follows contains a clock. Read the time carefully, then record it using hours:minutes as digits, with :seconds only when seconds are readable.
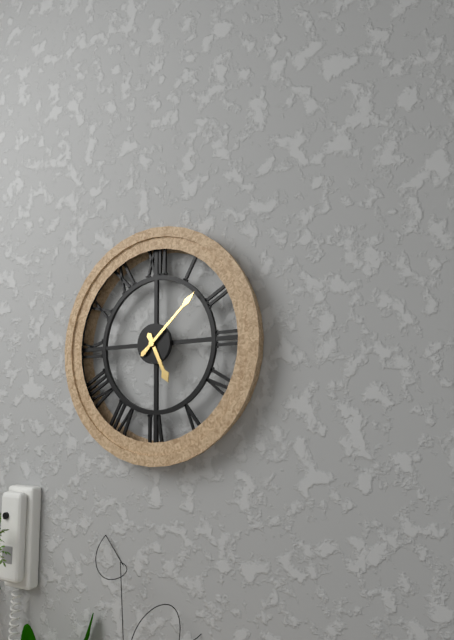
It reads 5:08
